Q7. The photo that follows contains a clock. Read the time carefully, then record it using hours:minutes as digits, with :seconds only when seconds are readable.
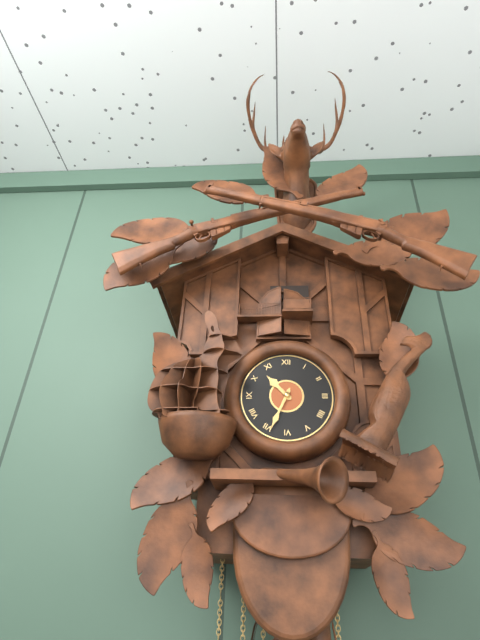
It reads 10:34
